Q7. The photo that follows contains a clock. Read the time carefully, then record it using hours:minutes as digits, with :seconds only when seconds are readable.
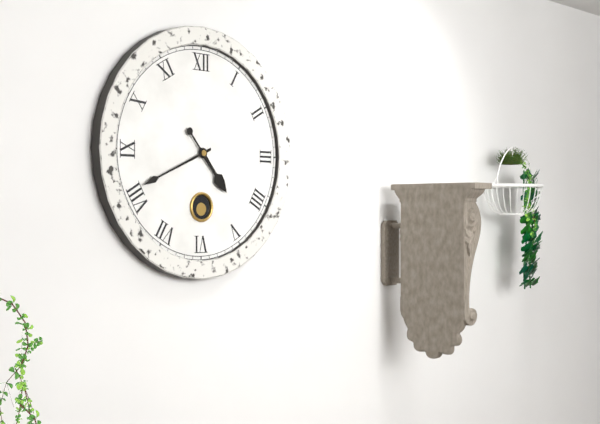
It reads 4:41
